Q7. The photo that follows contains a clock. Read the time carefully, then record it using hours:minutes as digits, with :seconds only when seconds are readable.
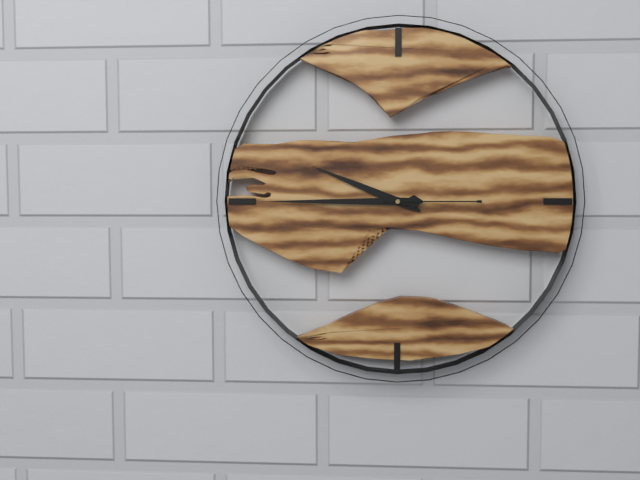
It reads 9:45:15
